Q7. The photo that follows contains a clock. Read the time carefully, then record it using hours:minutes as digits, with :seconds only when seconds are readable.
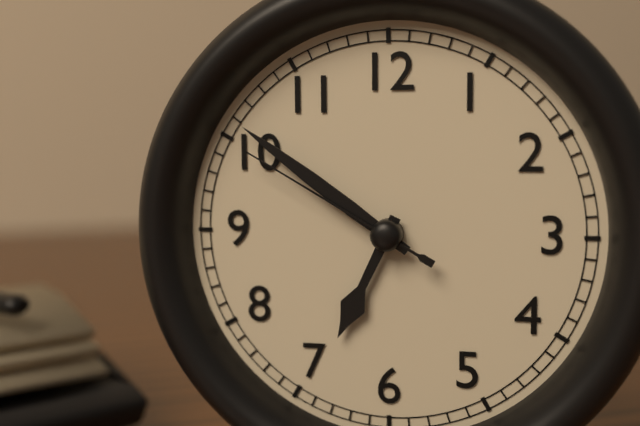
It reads 6:51:50
